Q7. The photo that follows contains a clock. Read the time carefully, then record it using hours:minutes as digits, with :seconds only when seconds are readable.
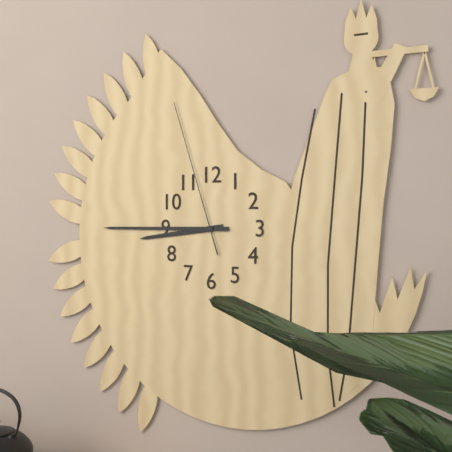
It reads 8:45:57
